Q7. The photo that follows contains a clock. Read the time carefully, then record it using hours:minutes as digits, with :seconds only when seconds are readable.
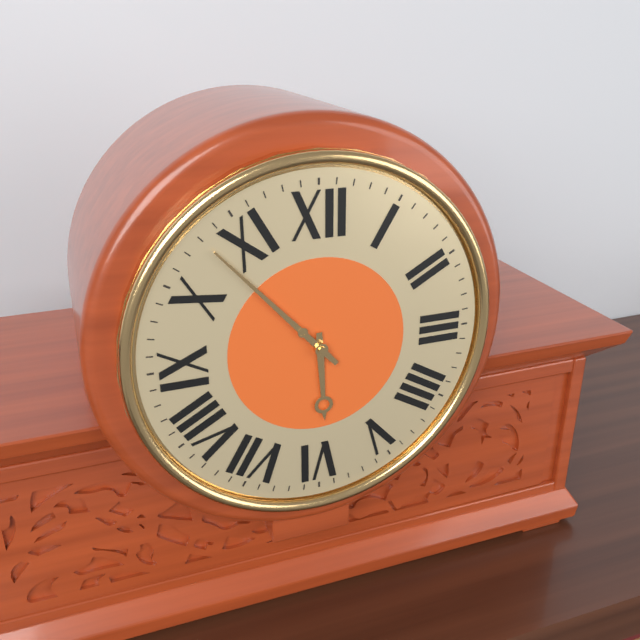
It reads 5:53
